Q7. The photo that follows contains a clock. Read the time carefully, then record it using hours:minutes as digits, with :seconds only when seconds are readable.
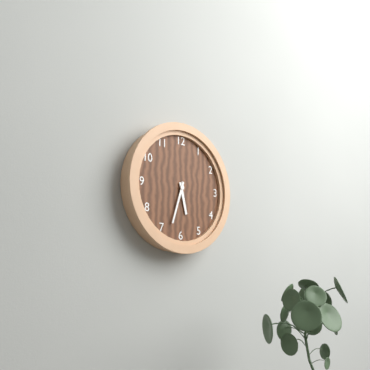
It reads 5:33
